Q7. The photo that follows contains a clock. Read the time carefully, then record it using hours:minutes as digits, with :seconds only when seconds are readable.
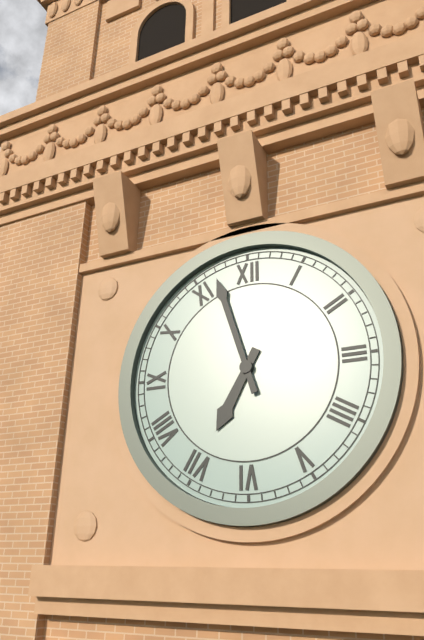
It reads 6:57
